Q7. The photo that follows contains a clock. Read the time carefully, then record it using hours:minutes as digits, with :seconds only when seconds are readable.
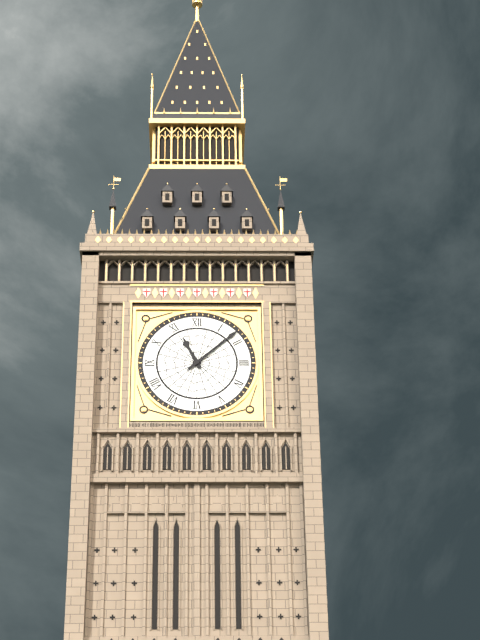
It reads 11:08
